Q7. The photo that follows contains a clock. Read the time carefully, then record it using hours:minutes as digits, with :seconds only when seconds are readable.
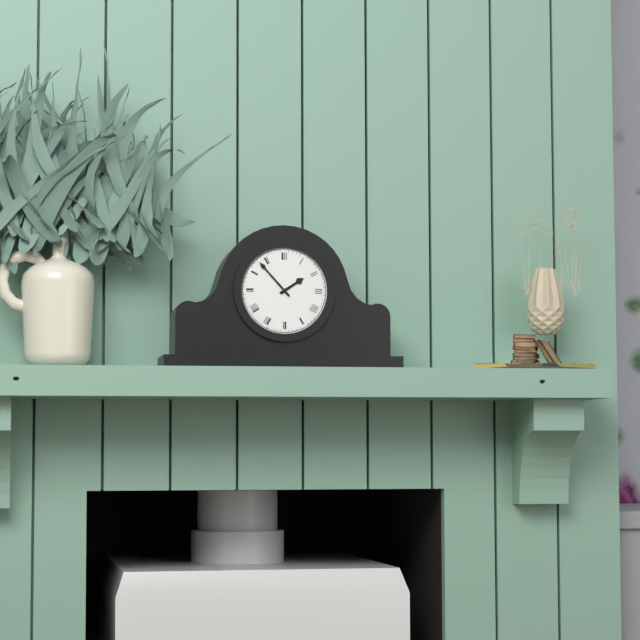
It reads 1:53
